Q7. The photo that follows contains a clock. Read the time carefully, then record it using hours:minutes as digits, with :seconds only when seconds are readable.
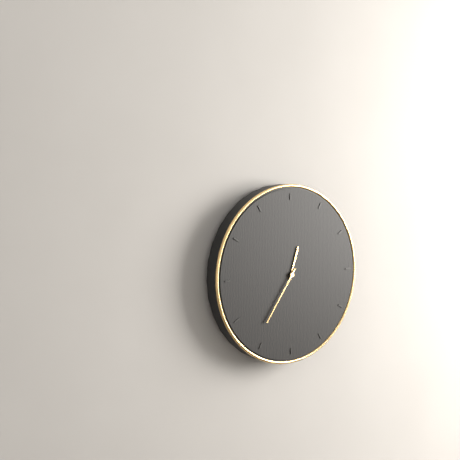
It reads 12:36
